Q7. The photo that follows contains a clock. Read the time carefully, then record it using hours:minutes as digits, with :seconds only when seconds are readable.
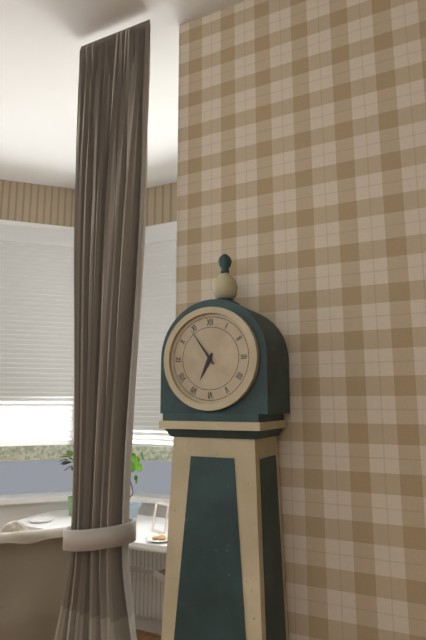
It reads 6:54
